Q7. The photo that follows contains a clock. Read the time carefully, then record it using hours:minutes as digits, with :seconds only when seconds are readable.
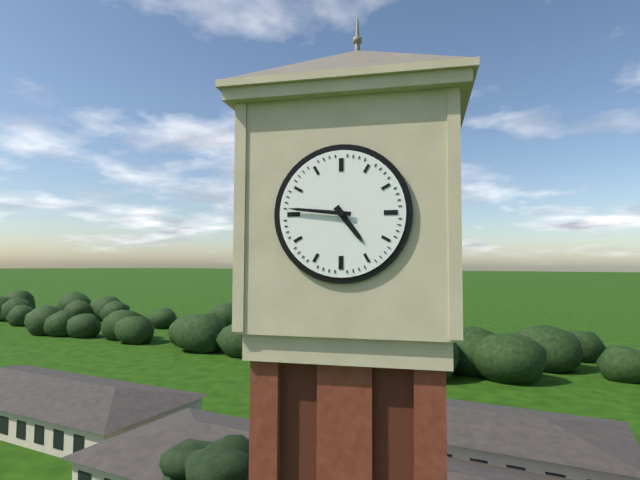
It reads 4:46
